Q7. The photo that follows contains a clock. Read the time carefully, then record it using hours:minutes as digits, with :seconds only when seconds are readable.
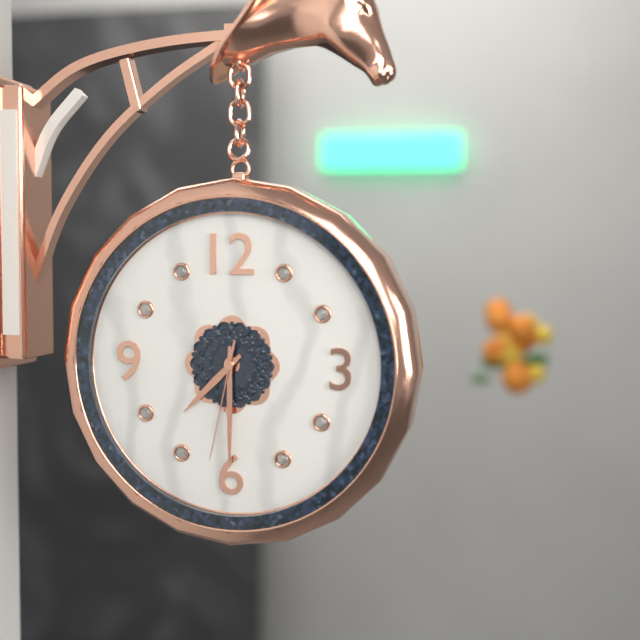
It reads 7:30:32
